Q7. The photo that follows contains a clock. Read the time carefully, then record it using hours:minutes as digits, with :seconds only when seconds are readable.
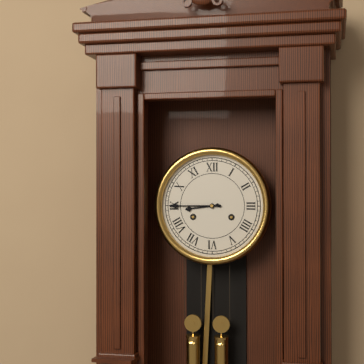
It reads 8:45
